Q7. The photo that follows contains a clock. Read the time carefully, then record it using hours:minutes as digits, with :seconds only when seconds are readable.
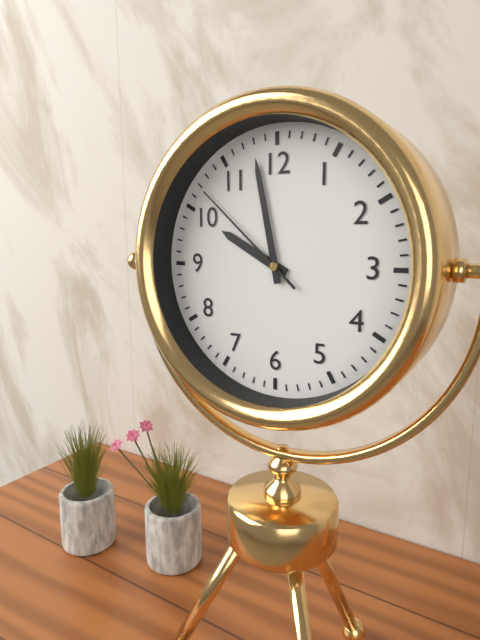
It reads 9:58:52
